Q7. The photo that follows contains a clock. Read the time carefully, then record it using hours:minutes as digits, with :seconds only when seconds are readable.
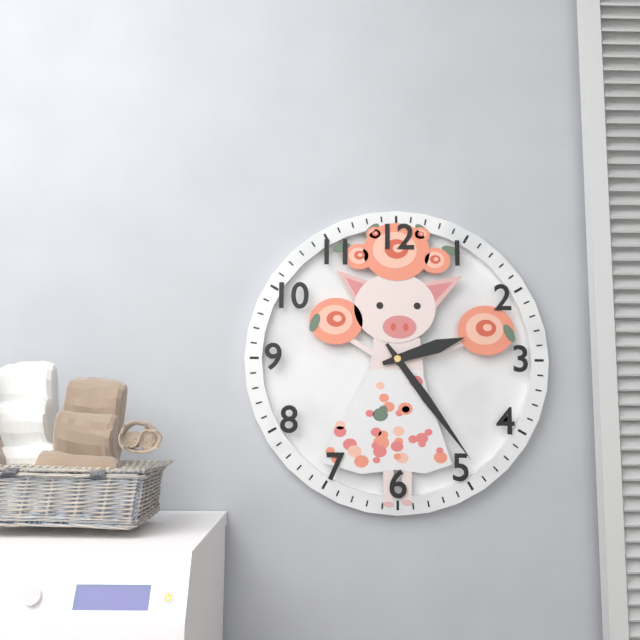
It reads 2:24
